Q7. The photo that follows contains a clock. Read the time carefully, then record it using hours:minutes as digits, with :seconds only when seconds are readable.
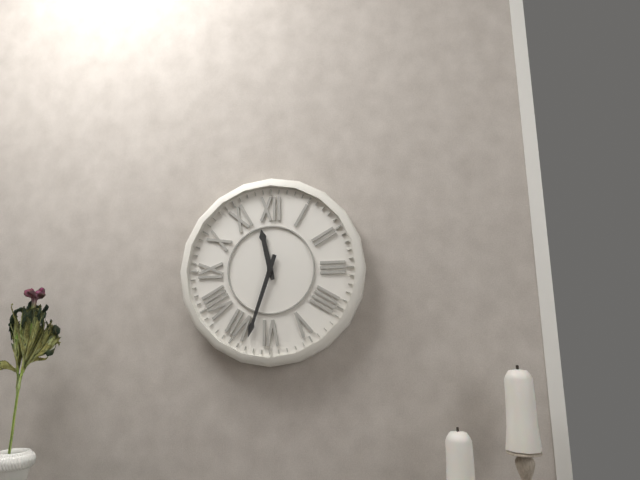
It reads 11:33
